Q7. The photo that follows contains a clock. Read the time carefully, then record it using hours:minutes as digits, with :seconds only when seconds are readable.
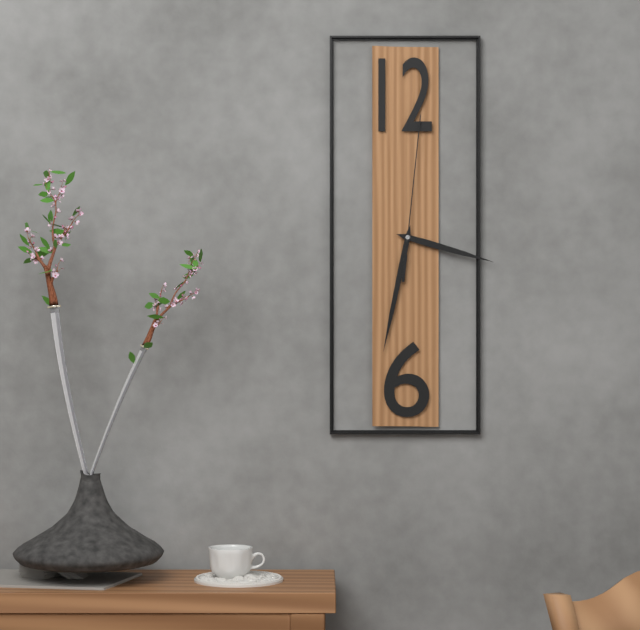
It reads 3:32:01
